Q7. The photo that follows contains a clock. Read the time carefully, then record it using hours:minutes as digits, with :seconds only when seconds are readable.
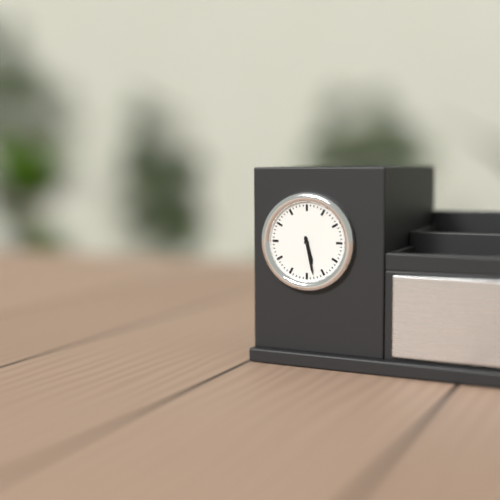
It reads 5:28
